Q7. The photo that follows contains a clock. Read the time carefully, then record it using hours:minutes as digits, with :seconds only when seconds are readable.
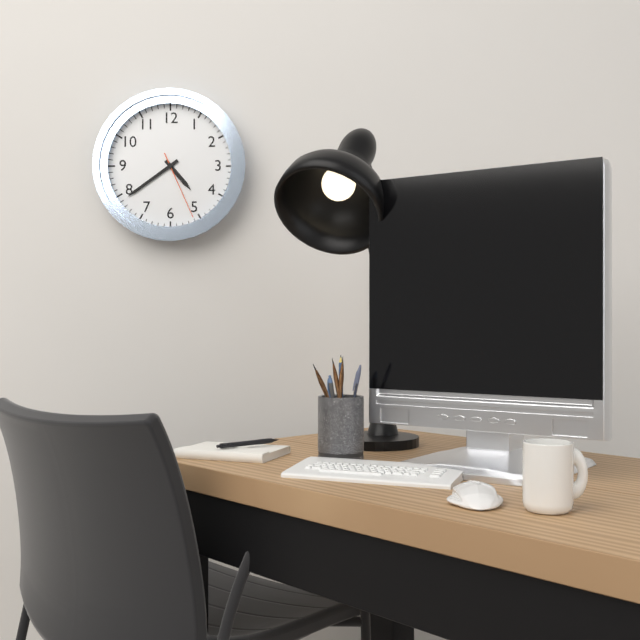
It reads 4:39:26
